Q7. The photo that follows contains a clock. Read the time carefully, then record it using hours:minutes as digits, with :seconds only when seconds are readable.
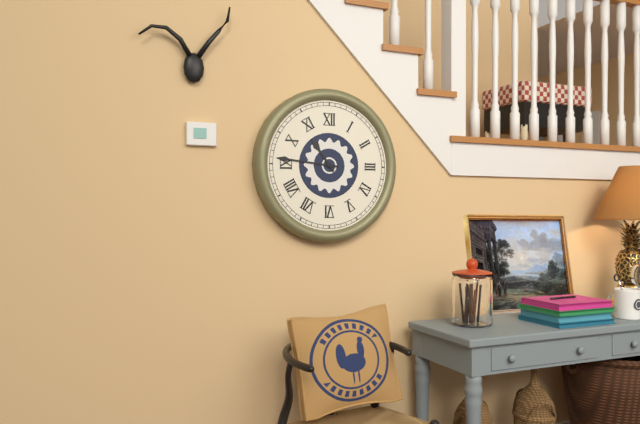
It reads 10:46
